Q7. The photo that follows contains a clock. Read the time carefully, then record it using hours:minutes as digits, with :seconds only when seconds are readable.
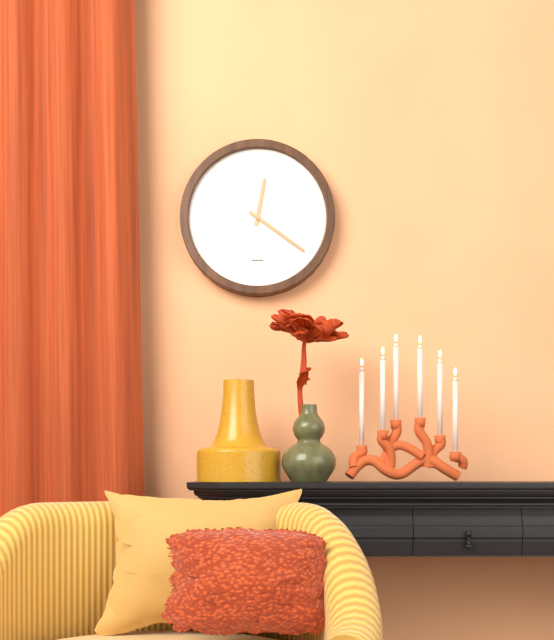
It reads 12:21
